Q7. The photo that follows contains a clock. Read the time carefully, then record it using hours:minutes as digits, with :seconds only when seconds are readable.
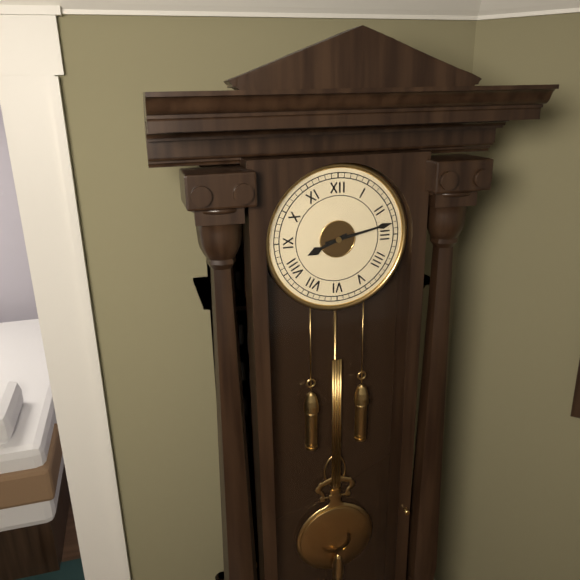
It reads 8:13
